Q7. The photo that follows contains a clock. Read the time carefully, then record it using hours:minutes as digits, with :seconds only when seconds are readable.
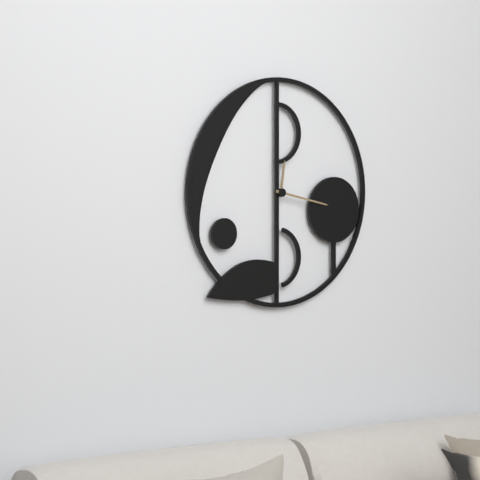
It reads 12:17
